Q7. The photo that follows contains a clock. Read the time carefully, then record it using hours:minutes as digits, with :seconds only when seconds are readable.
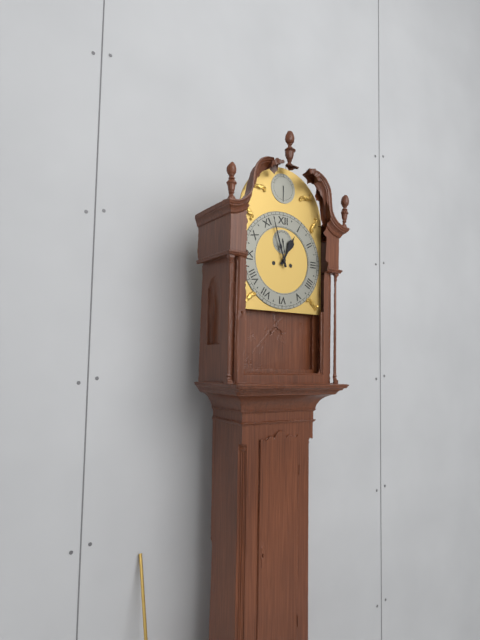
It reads 12:57
